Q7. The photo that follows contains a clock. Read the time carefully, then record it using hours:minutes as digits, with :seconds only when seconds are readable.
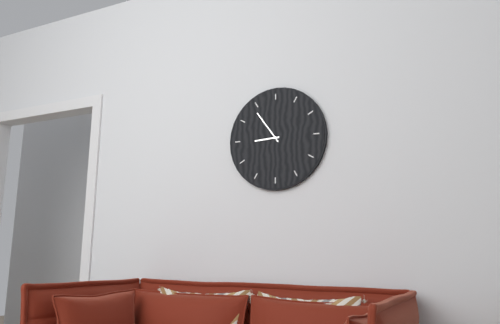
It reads 8:54
